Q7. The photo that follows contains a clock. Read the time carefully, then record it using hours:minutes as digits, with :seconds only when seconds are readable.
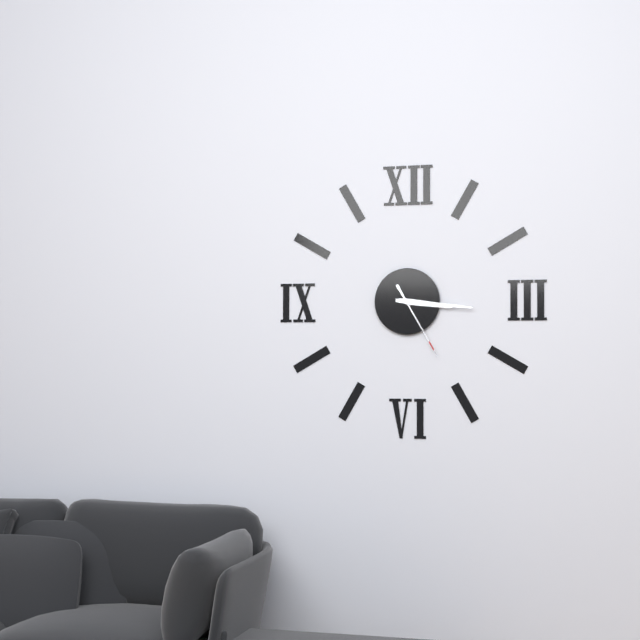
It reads 3:16:25
